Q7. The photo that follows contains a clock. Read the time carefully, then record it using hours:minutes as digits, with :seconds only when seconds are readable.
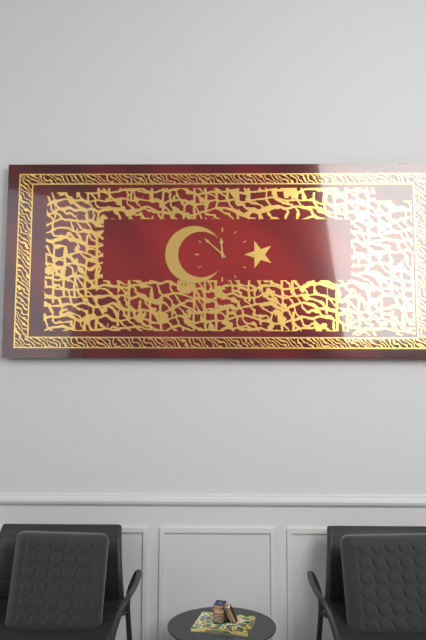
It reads 11:52
